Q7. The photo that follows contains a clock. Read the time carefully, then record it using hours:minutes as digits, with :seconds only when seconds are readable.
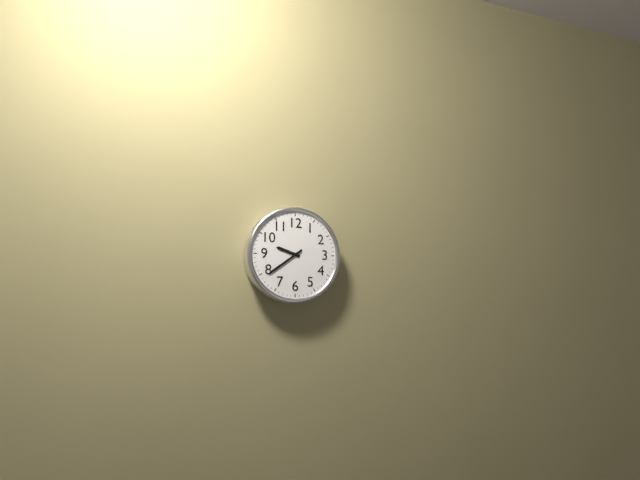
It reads 9:39
